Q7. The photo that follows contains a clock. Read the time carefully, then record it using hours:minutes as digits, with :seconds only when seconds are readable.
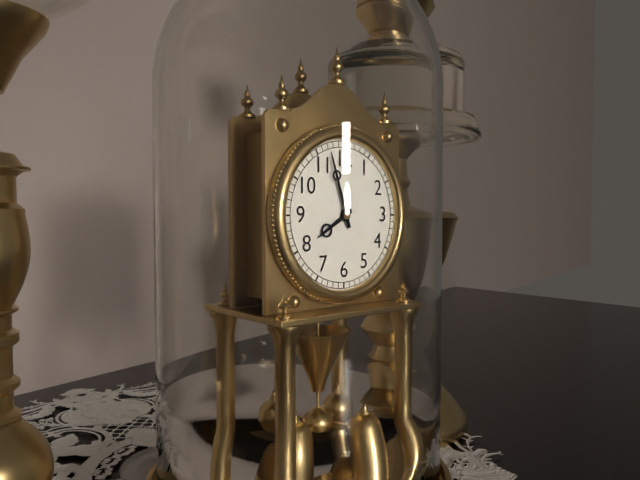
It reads 7:57
